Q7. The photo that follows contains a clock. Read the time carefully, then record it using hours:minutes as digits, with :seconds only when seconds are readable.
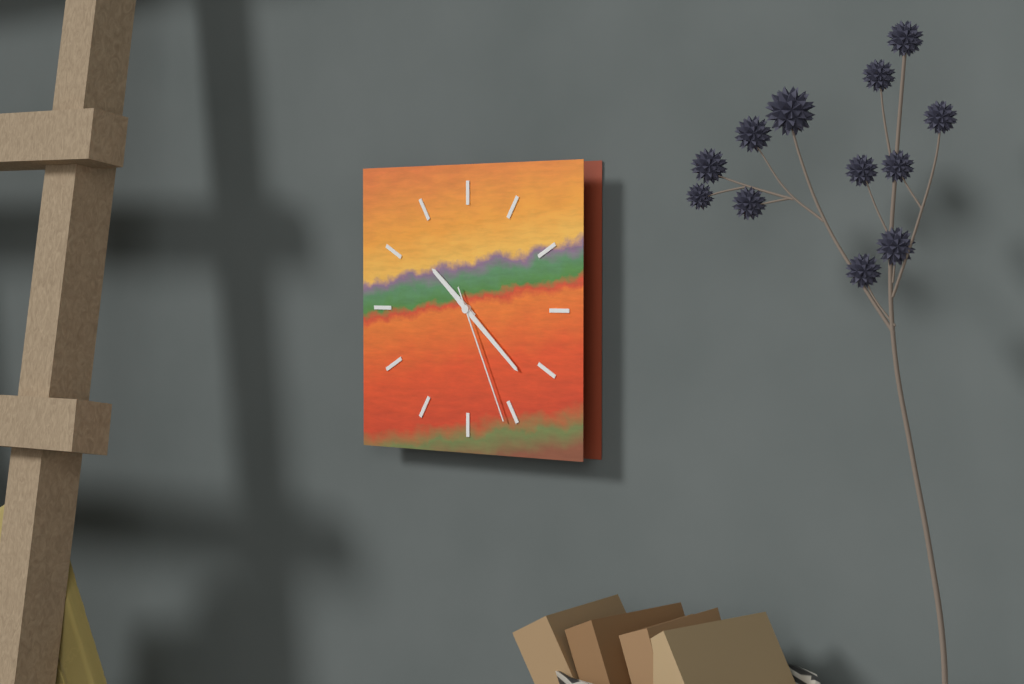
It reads 10:22:26
